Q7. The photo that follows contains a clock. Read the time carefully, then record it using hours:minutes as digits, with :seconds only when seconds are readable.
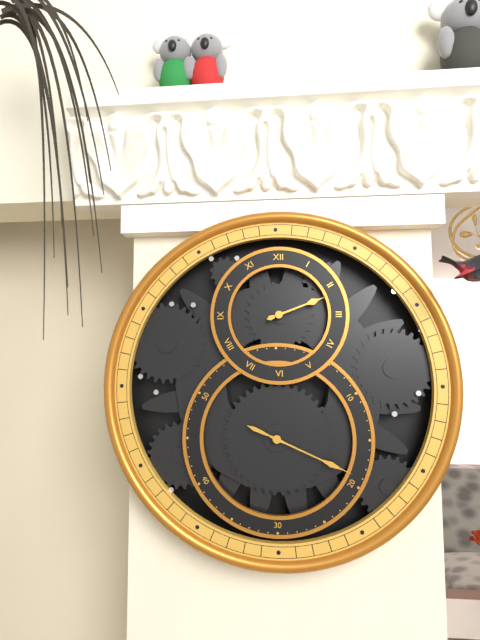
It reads 2:19
